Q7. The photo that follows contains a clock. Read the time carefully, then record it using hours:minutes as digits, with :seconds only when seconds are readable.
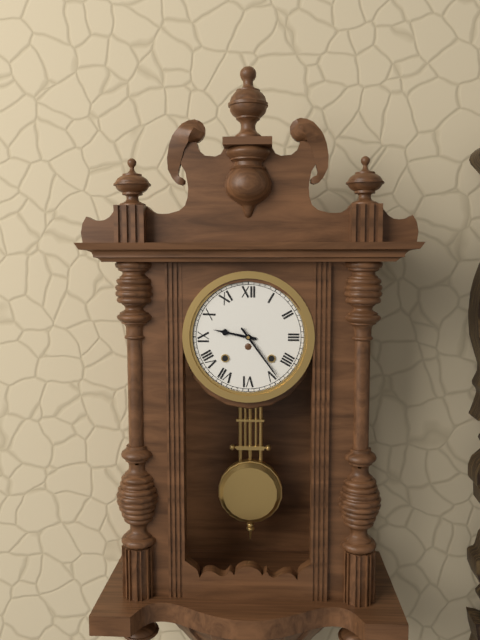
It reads 9:24
